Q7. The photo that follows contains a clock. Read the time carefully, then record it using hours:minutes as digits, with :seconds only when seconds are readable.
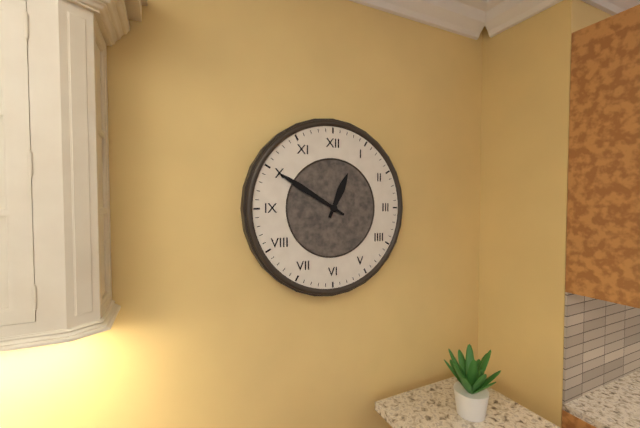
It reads 12:50
